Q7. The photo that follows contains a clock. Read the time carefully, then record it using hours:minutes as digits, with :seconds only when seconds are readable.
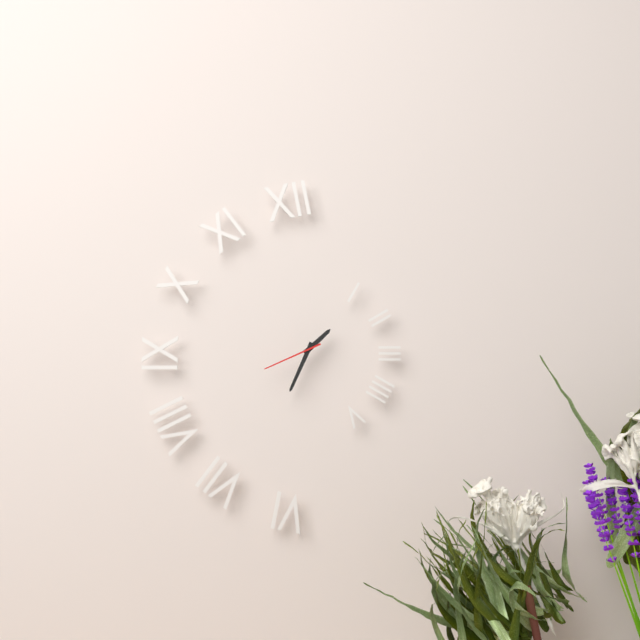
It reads 1:34:41
